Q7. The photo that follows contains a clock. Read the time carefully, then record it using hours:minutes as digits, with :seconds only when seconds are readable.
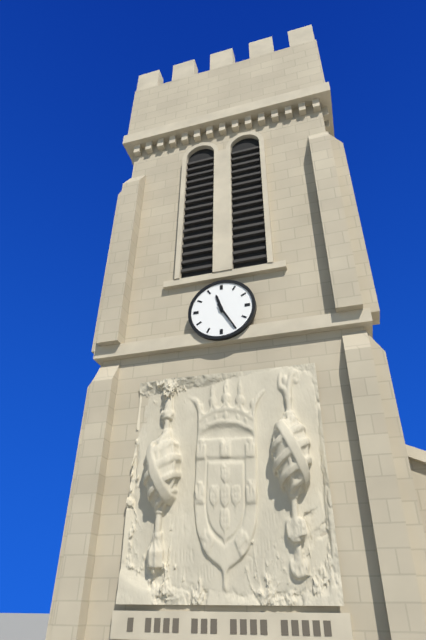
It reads 11:25
